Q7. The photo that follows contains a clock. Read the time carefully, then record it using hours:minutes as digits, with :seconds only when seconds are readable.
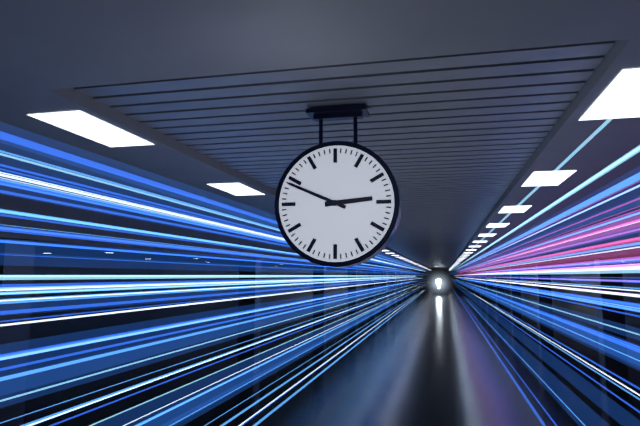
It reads 2:49
